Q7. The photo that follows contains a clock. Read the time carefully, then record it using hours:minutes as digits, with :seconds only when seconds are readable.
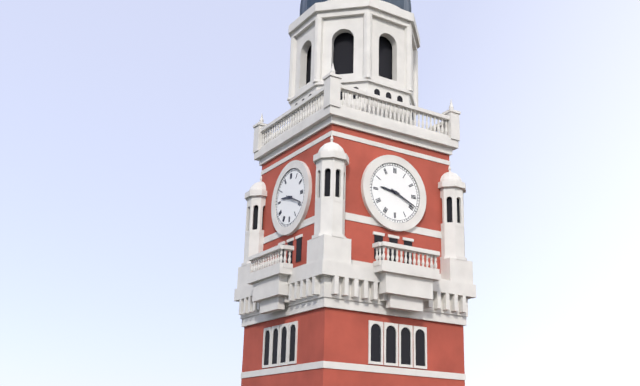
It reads 9:19
